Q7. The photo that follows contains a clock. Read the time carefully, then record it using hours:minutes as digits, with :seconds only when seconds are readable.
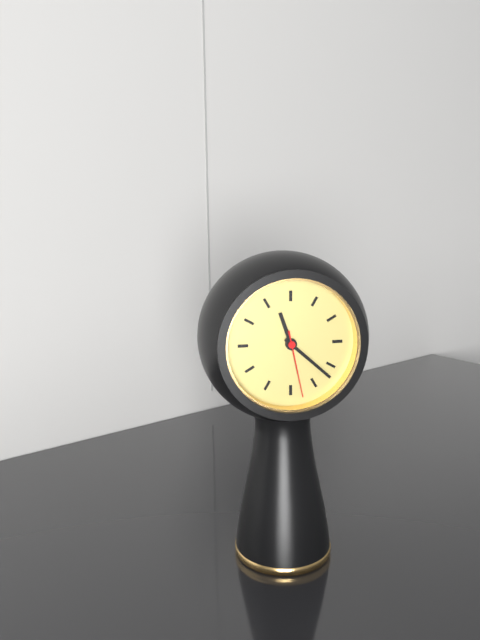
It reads 11:22:28
